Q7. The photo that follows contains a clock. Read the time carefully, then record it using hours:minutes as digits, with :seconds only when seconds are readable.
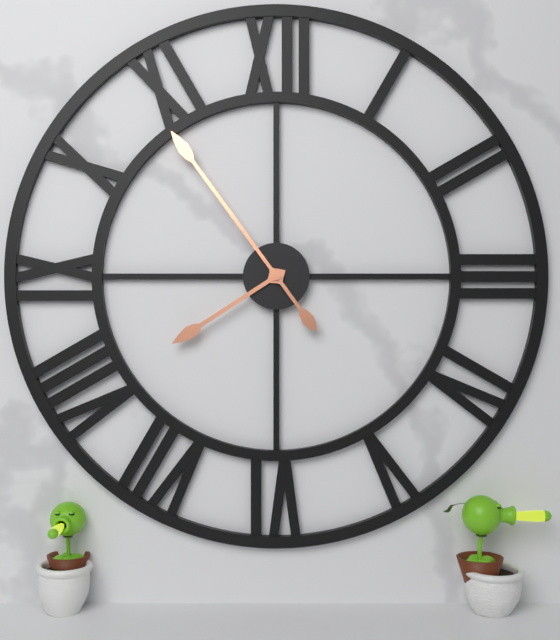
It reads 7:54
